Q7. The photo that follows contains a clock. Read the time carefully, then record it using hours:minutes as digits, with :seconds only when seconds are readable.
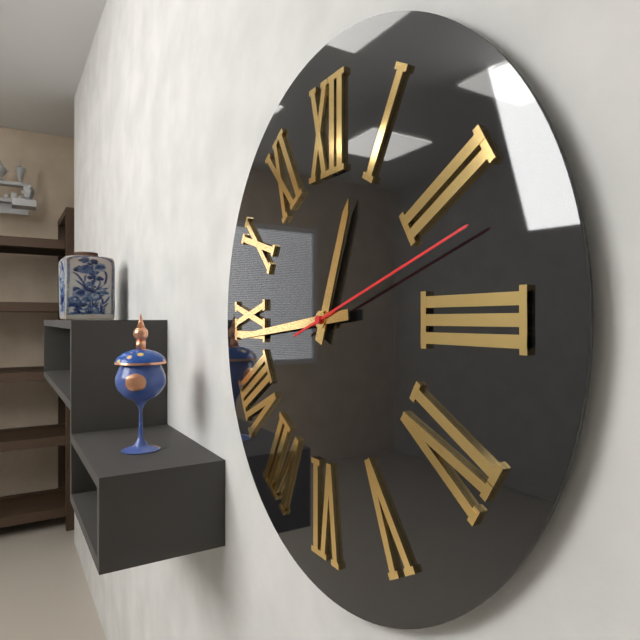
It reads 12:44:12
